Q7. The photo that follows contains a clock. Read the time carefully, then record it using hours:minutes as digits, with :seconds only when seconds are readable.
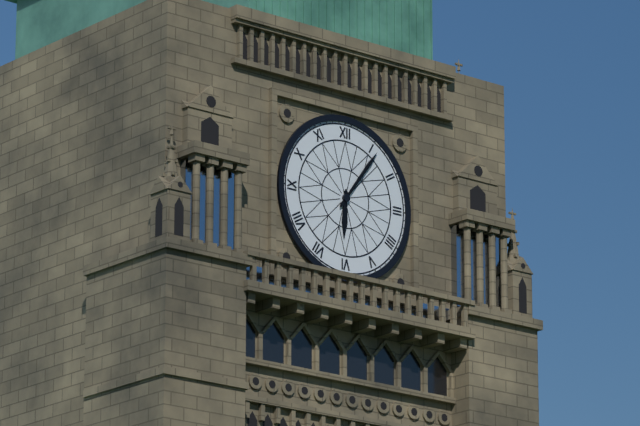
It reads 6:06
